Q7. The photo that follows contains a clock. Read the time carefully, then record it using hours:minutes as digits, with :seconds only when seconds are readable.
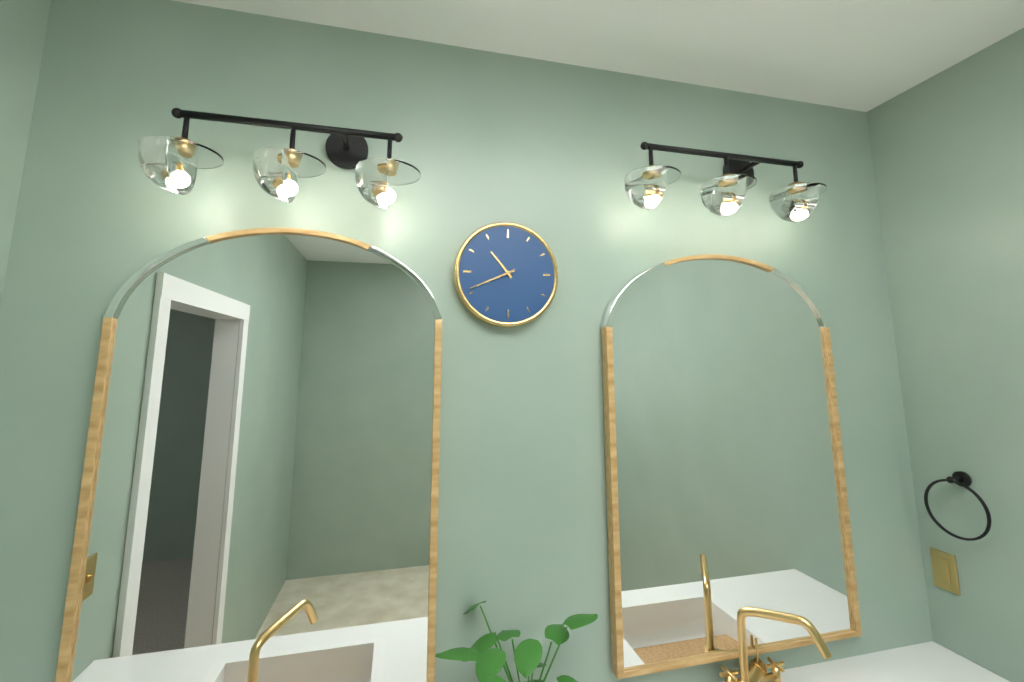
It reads 10:41
